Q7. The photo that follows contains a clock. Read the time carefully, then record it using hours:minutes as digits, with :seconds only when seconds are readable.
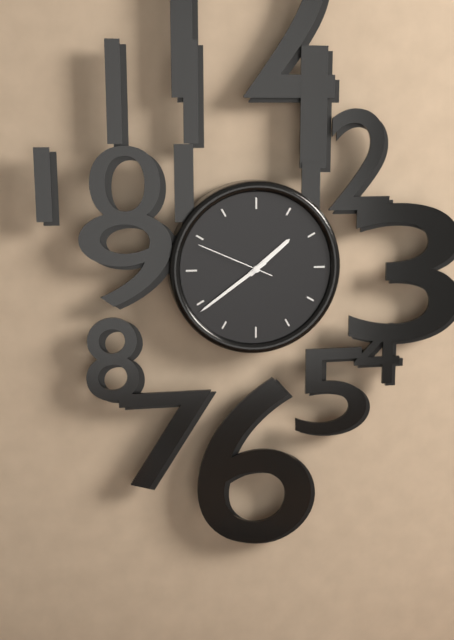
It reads 1:39:49
